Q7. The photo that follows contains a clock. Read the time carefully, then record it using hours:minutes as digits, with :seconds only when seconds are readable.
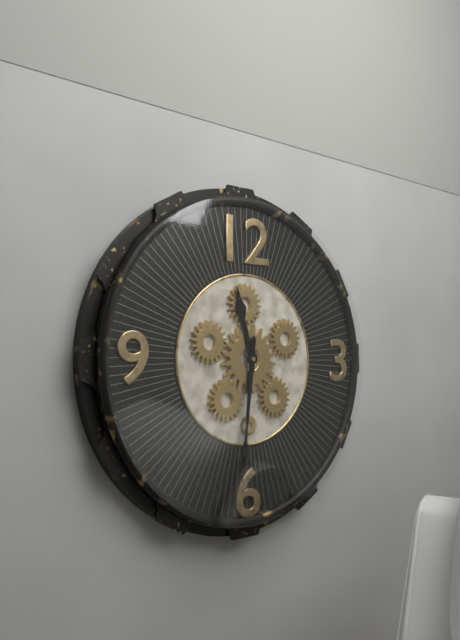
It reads 11:31
